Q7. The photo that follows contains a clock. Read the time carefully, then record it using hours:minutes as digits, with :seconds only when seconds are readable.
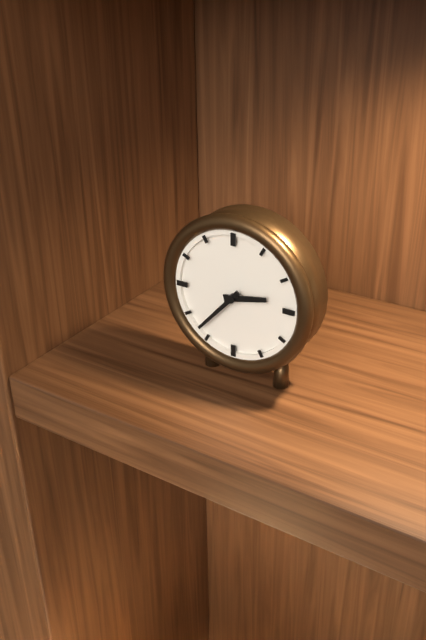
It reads 2:37
